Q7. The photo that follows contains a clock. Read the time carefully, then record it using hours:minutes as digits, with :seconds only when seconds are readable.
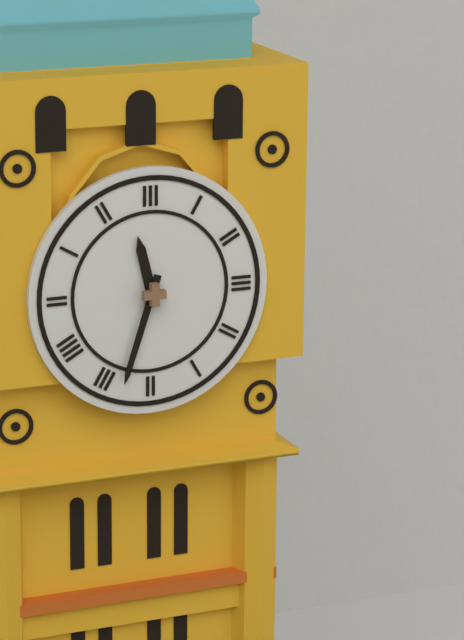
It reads 11:33
